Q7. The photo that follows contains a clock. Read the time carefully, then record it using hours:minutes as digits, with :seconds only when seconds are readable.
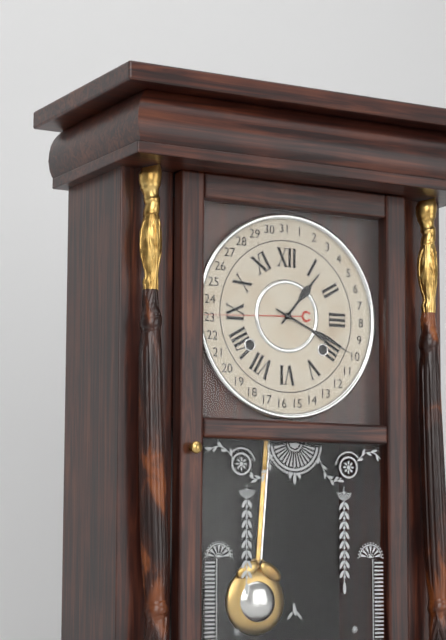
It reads 1:19
